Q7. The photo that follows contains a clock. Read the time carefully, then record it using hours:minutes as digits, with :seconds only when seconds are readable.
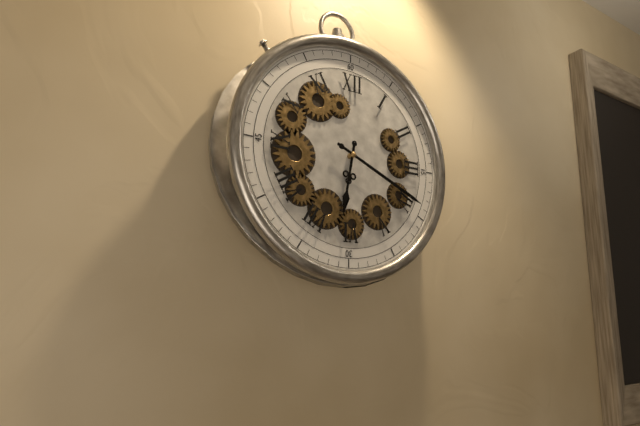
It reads 6:19
